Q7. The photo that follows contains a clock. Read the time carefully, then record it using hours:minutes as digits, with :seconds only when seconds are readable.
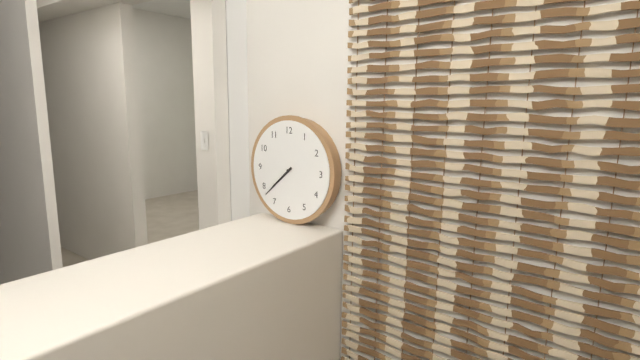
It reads 7:38
